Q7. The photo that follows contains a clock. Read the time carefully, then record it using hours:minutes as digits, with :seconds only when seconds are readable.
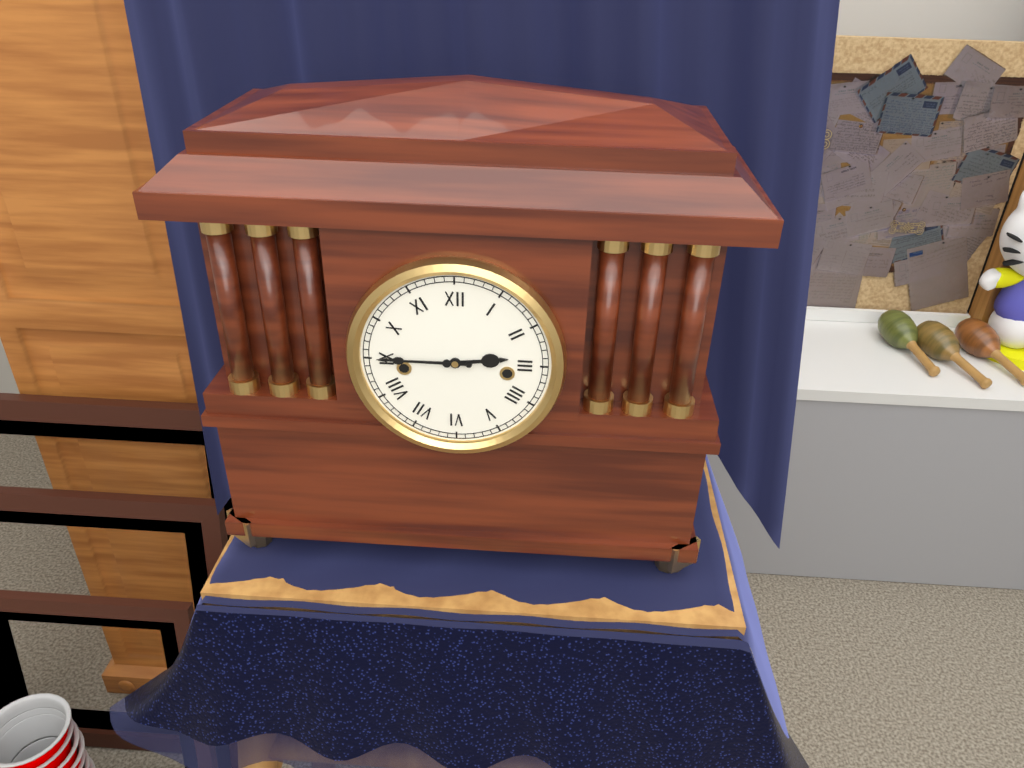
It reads 2:45
